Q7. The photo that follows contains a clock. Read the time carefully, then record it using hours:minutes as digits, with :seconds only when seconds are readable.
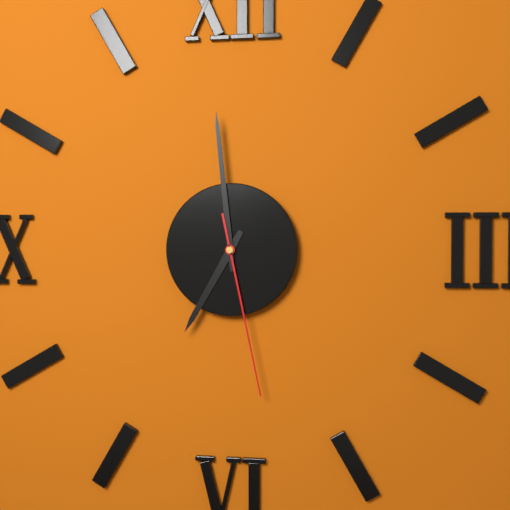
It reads 6:59:28
